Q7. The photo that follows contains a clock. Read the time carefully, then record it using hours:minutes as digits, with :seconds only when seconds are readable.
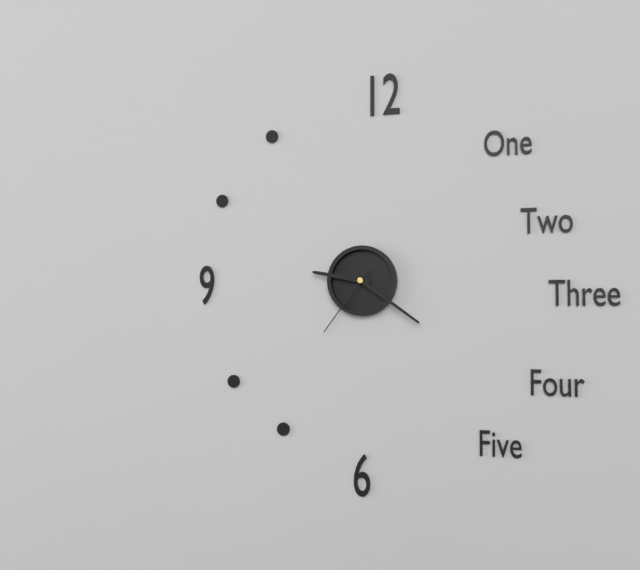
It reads 9:21:36
